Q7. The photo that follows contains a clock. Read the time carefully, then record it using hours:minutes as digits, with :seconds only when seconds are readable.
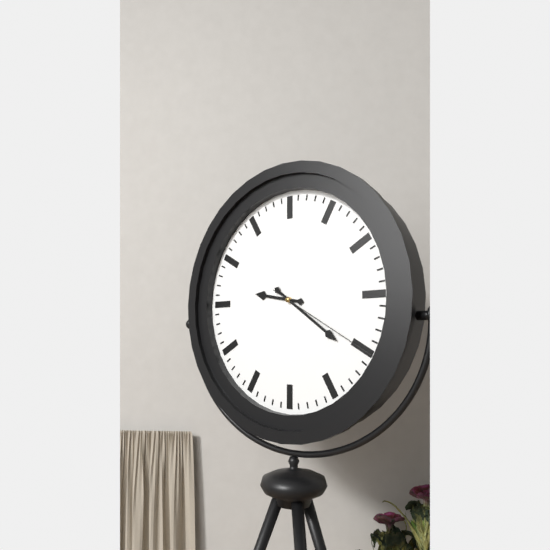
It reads 9:21:20
